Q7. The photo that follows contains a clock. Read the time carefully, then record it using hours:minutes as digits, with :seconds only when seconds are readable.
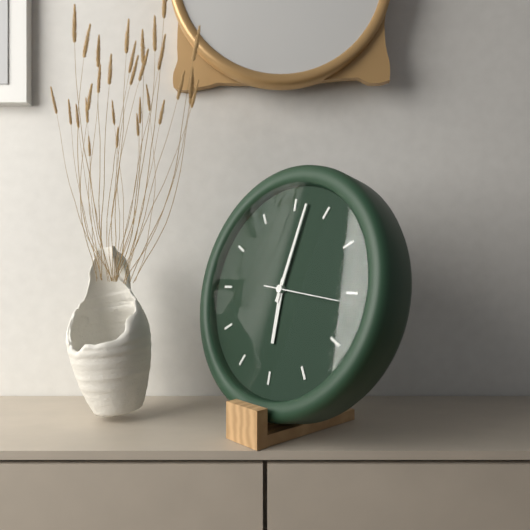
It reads 6:02:16
